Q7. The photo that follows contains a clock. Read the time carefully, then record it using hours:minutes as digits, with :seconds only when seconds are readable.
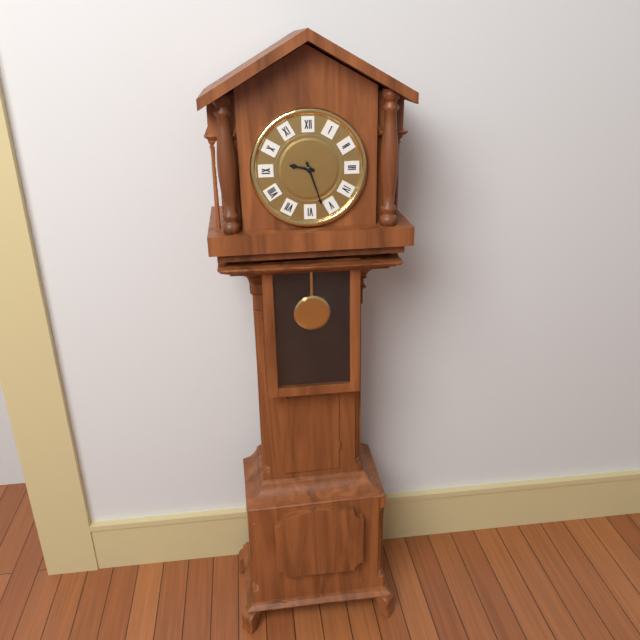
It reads 9:27
